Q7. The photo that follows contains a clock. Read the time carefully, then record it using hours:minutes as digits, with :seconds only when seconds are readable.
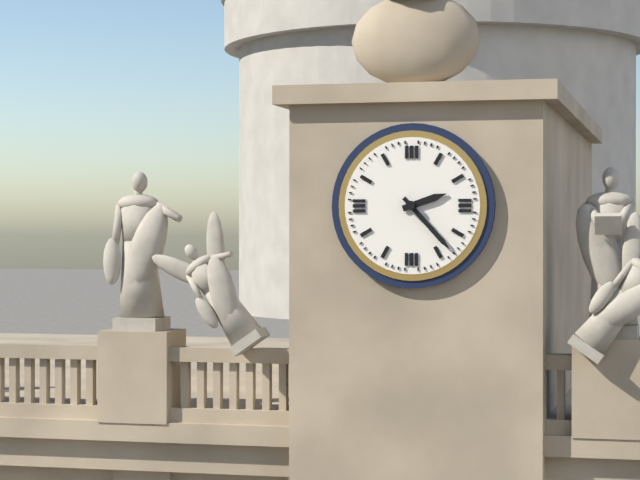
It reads 2:23
